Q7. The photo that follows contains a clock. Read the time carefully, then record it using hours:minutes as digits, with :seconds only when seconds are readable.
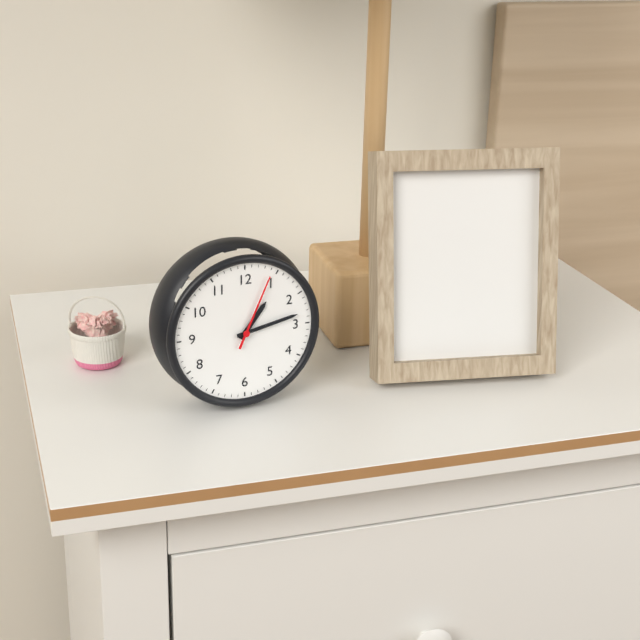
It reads 1:13:04
